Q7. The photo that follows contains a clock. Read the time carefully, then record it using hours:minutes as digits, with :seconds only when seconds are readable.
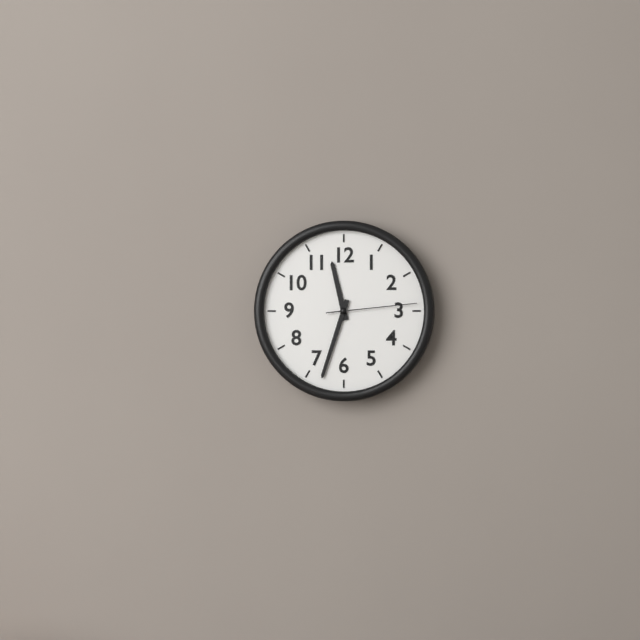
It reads 11:33:14
